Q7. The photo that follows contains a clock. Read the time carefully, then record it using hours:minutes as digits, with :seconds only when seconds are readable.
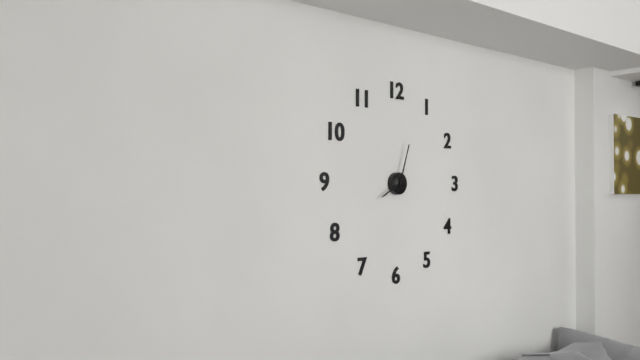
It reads 8:03
